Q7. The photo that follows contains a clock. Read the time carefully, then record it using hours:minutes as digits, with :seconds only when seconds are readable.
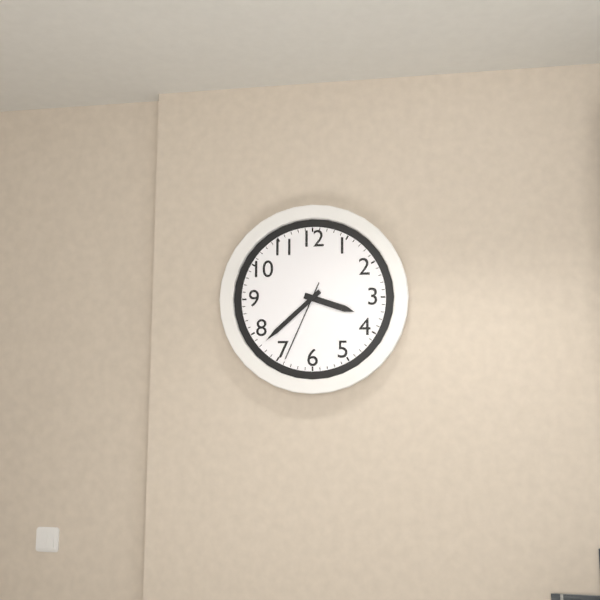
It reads 3:38:34
